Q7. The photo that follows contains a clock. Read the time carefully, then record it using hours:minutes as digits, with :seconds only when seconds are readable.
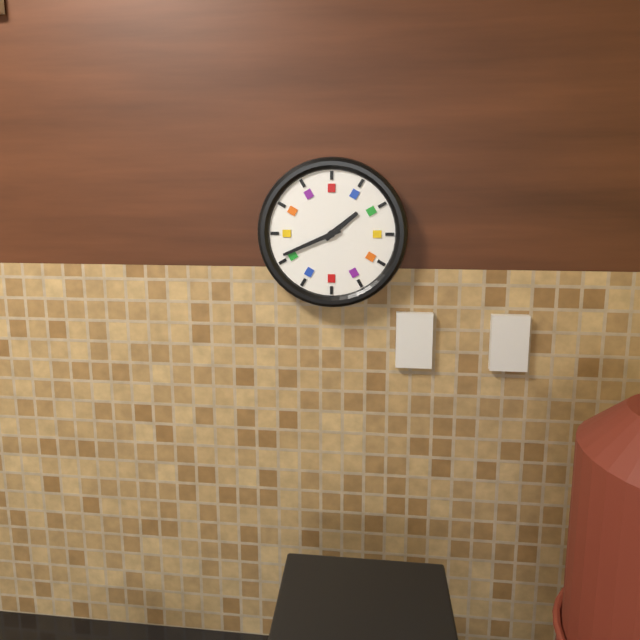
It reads 1:41
